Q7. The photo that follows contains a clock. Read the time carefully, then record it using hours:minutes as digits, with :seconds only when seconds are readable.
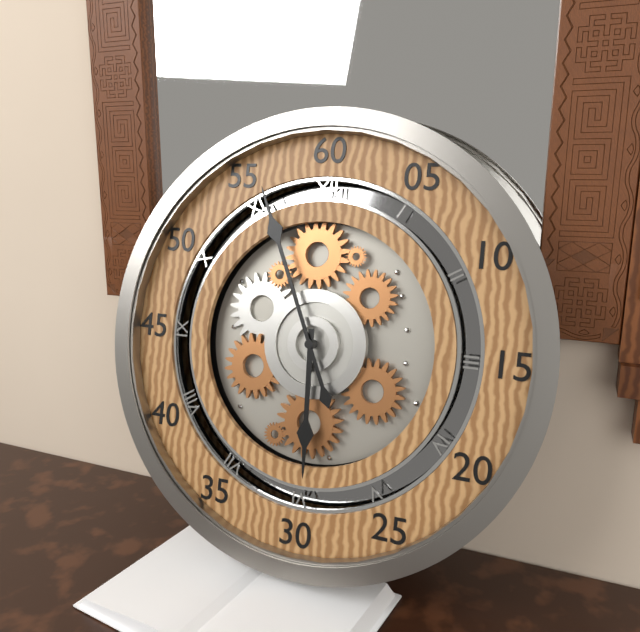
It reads 5:56
